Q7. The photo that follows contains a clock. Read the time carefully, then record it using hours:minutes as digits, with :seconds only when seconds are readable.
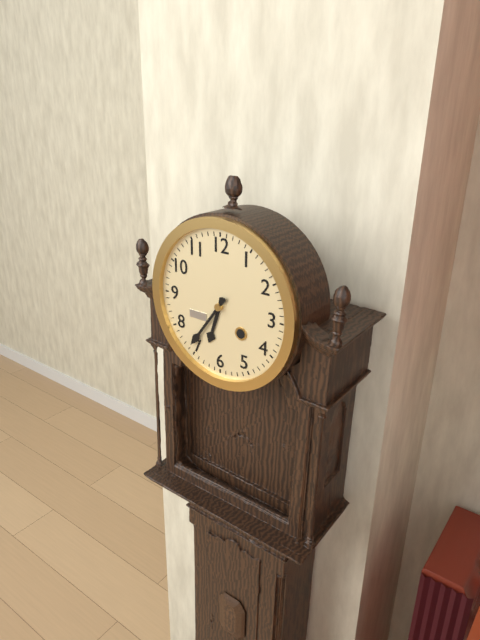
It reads 6:36
